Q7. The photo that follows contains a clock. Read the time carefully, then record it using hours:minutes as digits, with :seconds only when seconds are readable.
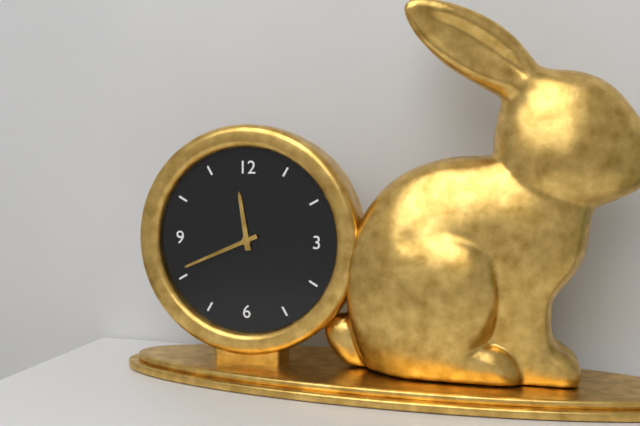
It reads 11:41
